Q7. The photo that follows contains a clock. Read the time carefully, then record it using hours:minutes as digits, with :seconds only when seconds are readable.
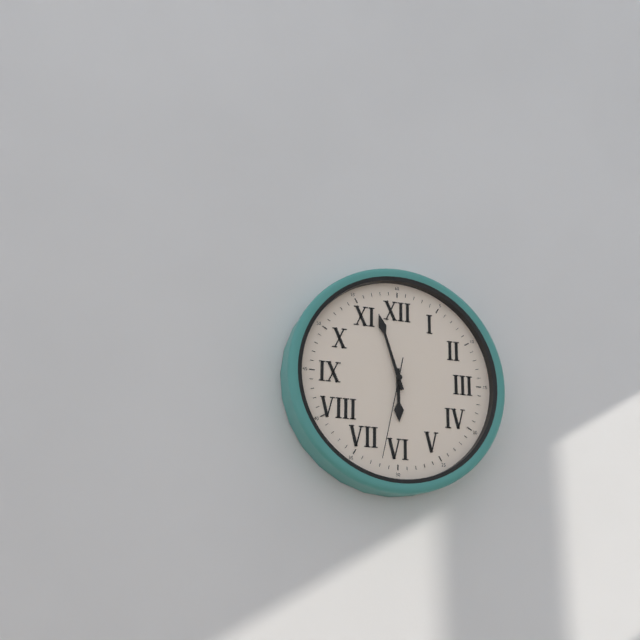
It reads 5:57:32
